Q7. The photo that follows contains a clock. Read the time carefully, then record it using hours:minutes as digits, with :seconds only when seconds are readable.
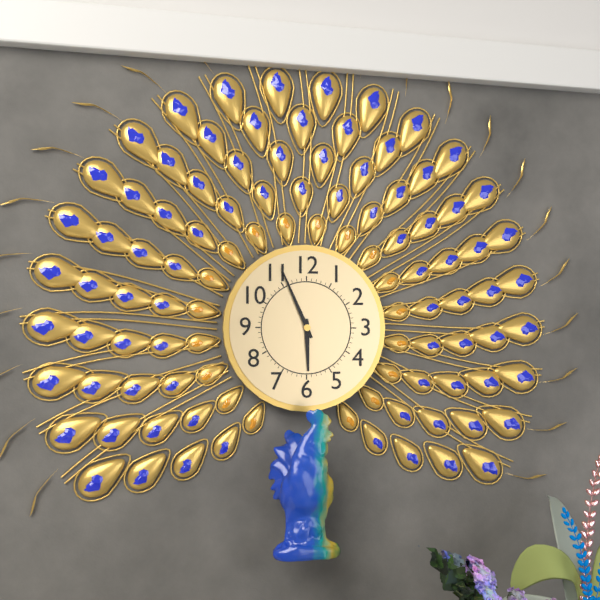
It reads 5:56
